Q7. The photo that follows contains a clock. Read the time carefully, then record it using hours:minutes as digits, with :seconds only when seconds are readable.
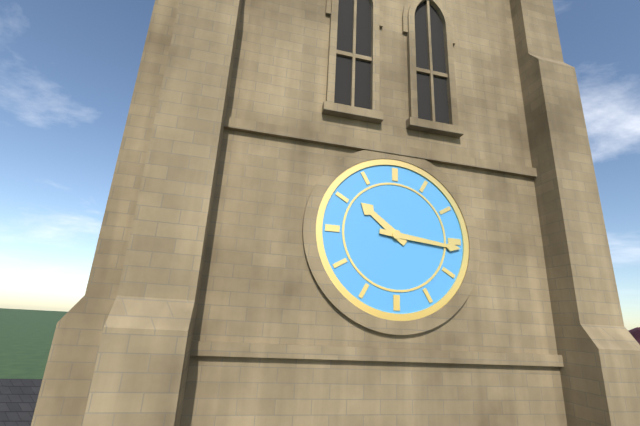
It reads 10:16
